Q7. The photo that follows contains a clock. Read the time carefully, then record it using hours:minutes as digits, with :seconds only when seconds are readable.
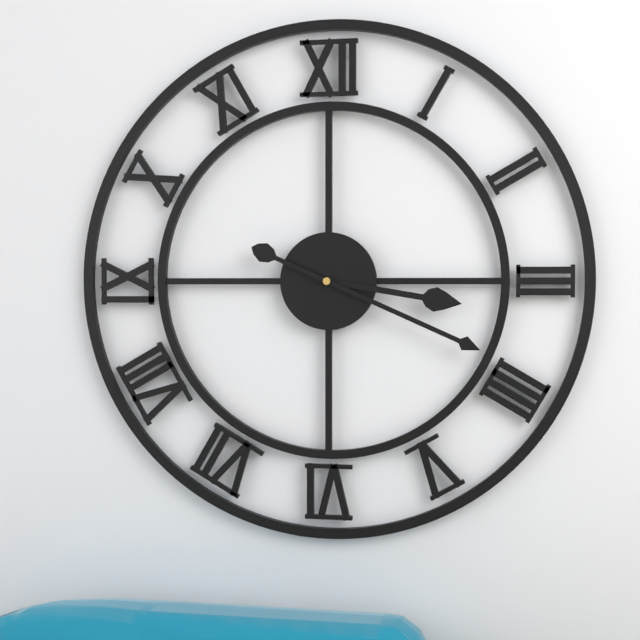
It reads 3:19
